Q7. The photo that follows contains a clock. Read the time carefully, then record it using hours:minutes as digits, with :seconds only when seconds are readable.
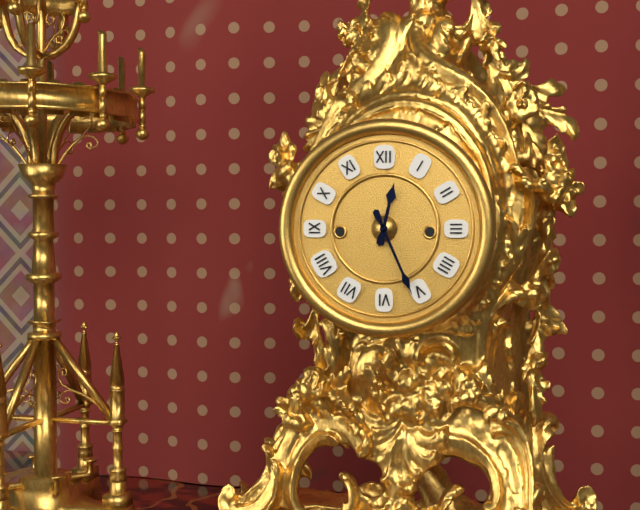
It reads 12:26
